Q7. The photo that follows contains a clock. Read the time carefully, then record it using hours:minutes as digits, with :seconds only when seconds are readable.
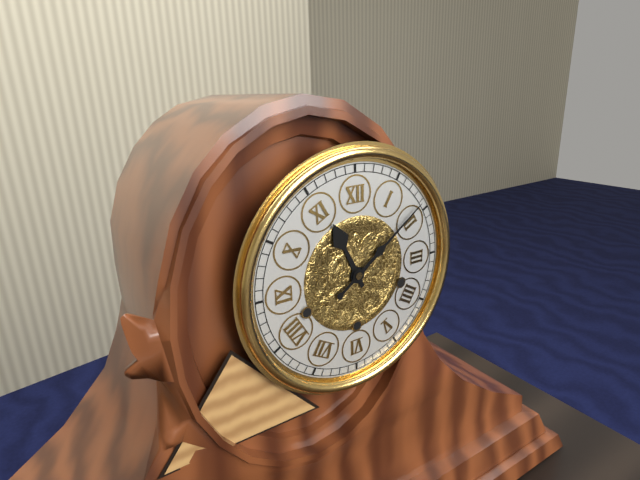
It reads 11:09
